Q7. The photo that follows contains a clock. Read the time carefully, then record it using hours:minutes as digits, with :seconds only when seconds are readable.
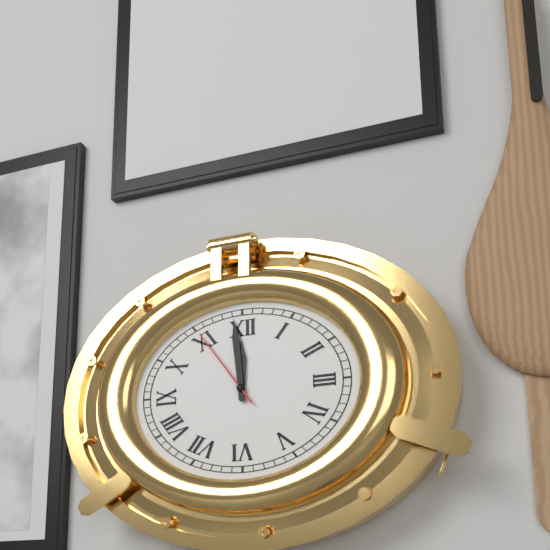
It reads 11:59:54
